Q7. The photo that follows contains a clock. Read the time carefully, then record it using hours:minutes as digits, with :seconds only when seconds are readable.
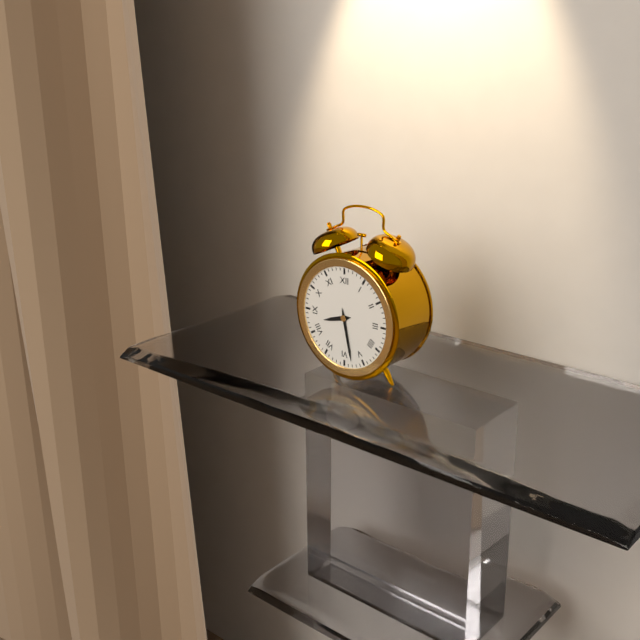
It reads 8:28
